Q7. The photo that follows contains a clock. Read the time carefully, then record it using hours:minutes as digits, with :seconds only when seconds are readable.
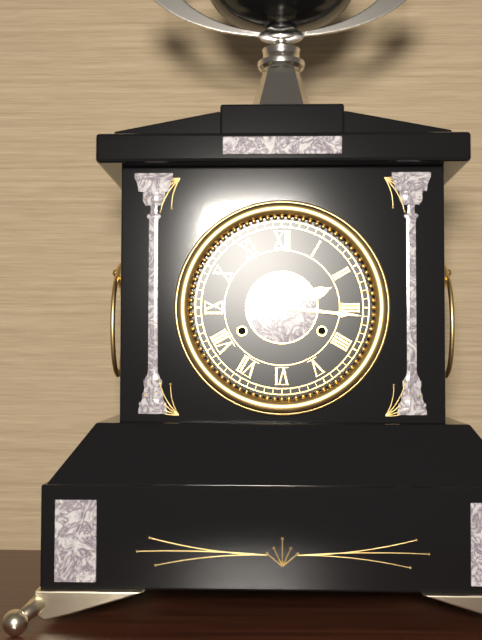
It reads 2:16
